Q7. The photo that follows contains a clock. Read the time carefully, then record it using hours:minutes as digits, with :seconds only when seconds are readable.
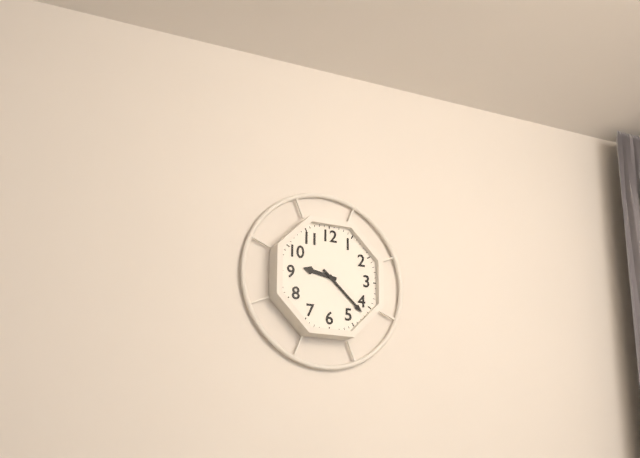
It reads 9:22
